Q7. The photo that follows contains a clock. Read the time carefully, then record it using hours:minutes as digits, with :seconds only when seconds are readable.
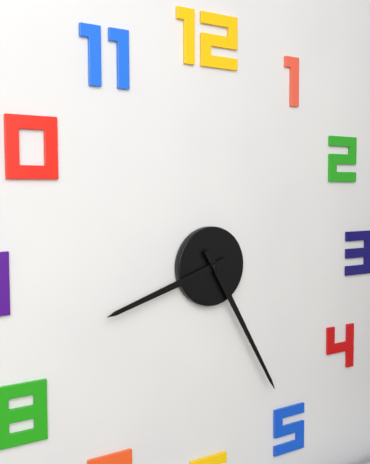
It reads 8:25
